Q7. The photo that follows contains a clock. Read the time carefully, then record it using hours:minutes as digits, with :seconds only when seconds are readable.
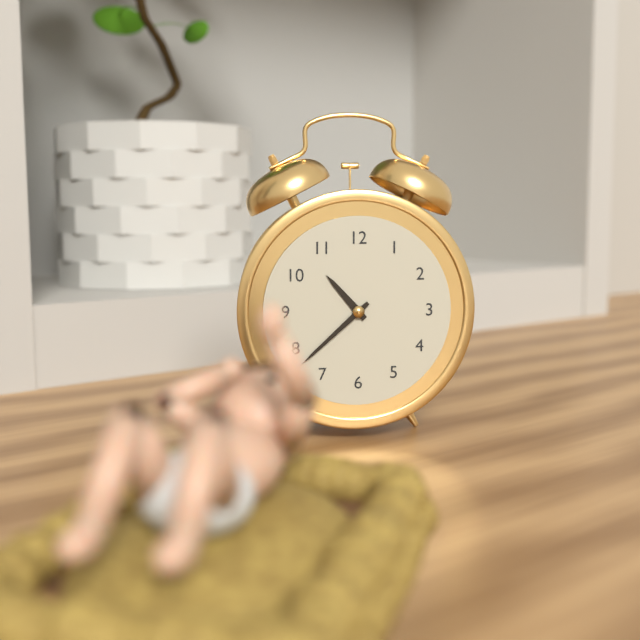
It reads 10:38
